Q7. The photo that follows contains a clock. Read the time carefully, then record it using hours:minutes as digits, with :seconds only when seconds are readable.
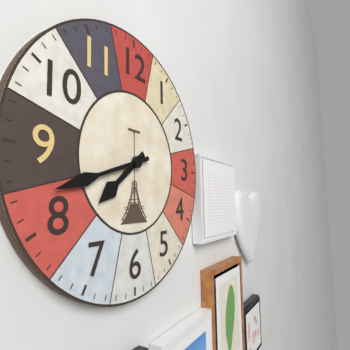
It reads 7:42
